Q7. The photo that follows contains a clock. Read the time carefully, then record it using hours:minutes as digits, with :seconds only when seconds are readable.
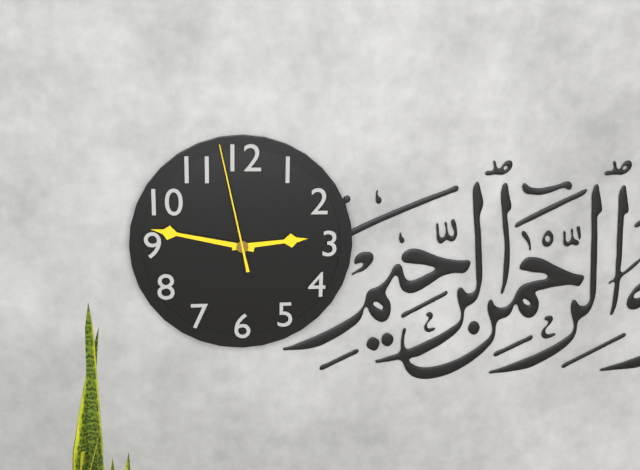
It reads 2:47:58
